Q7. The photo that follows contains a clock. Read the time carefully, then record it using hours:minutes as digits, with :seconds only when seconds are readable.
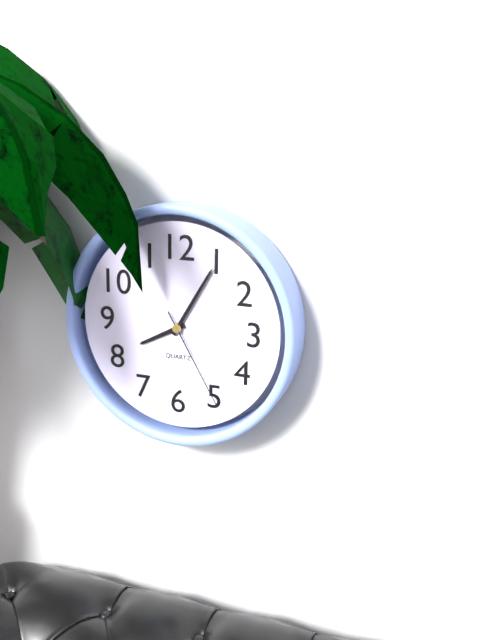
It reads 8:05:25
